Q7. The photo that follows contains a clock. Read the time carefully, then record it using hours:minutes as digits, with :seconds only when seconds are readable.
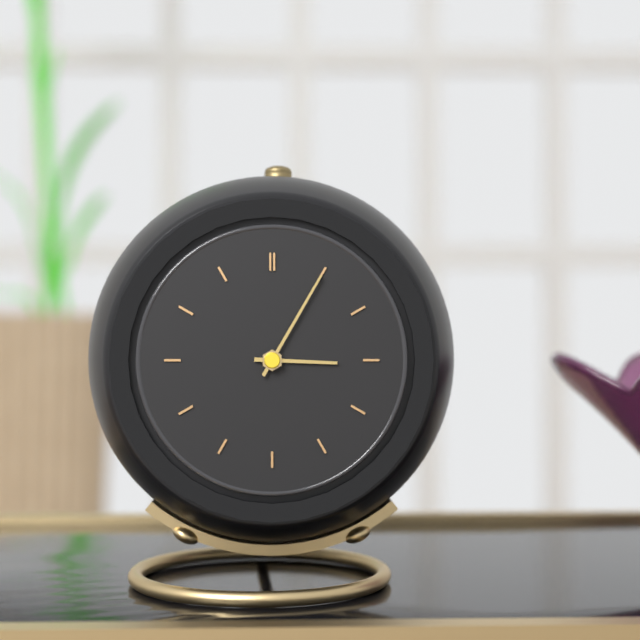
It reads 3:05
